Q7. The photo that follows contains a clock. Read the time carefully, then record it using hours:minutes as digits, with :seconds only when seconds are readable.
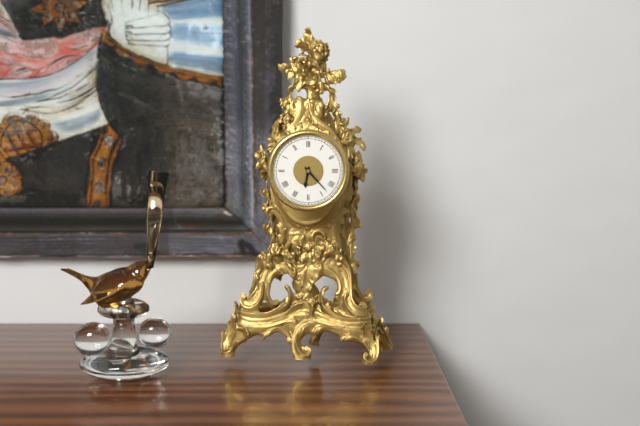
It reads 6:23
